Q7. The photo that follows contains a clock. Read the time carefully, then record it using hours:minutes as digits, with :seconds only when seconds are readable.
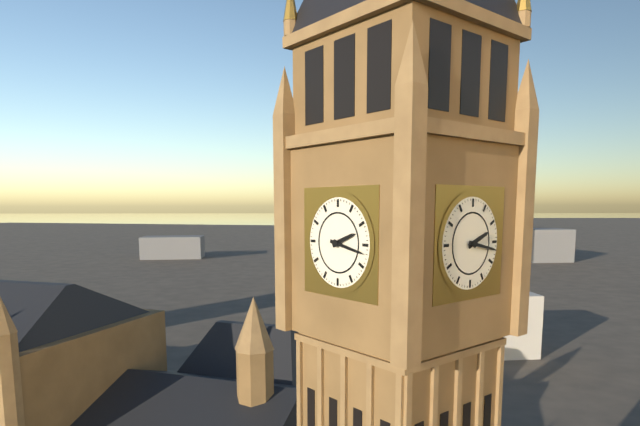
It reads 2:17
